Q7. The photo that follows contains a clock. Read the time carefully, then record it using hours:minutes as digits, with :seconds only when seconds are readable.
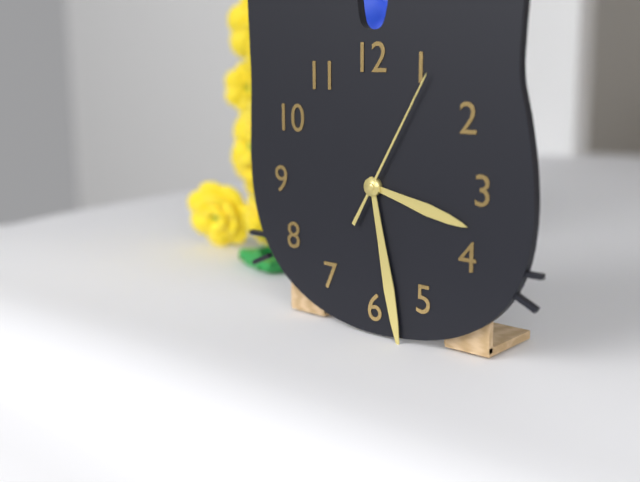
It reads 3:28:05
